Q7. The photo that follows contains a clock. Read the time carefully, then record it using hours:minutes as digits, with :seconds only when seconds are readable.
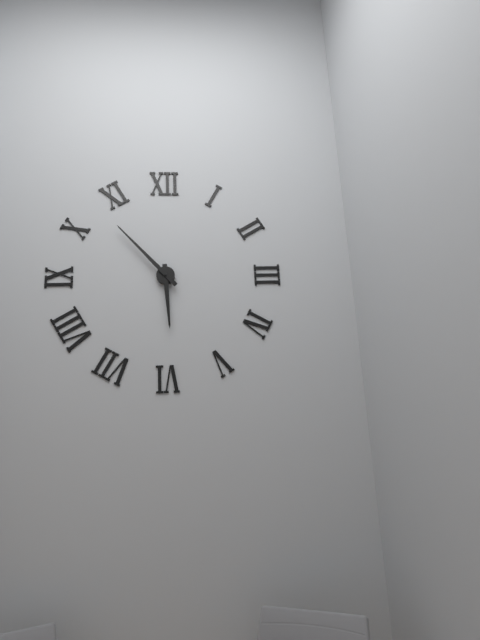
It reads 5:53
